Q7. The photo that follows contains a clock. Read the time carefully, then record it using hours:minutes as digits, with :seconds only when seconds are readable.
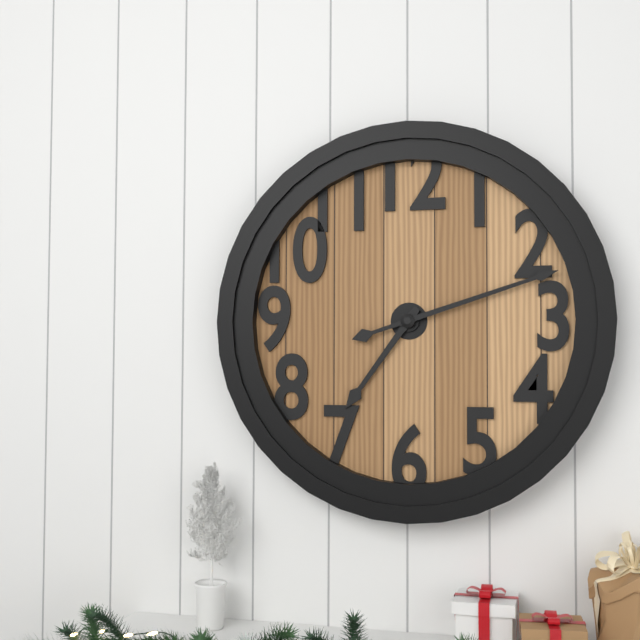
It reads 7:12
